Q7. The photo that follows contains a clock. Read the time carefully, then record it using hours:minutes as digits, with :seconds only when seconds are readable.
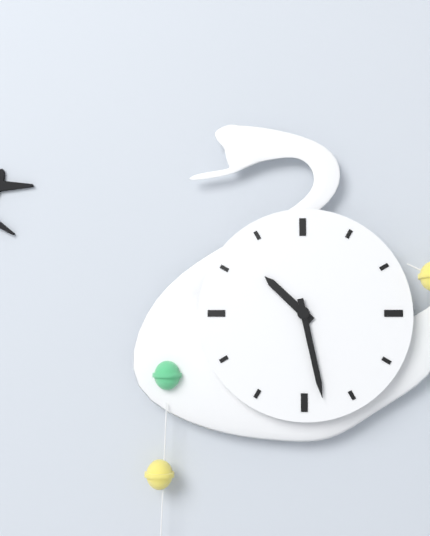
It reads 10:28
